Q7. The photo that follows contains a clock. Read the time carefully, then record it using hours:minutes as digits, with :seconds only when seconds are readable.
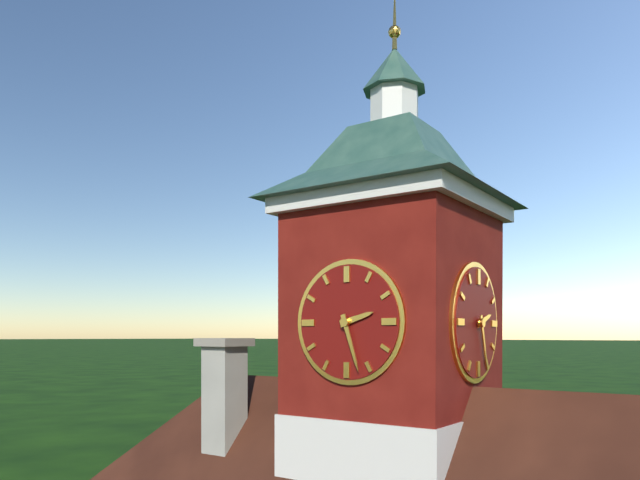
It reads 2:27
